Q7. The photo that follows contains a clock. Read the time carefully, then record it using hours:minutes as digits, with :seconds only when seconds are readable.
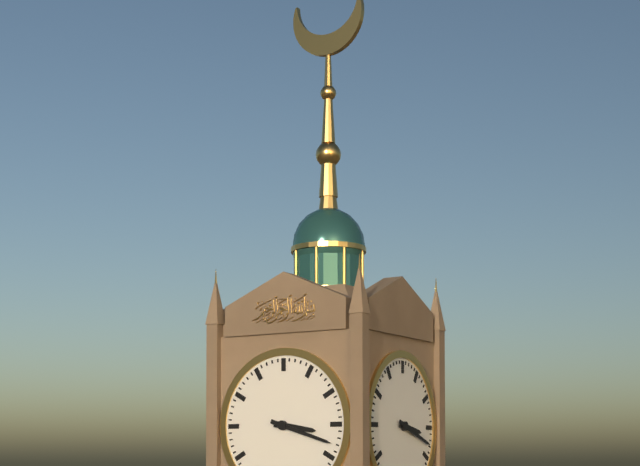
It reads 3:18
